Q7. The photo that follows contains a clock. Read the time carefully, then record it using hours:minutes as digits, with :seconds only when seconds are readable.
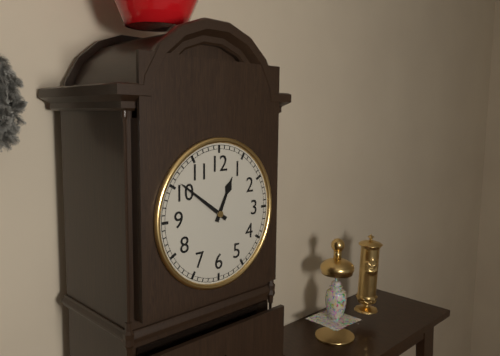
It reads 12:51
